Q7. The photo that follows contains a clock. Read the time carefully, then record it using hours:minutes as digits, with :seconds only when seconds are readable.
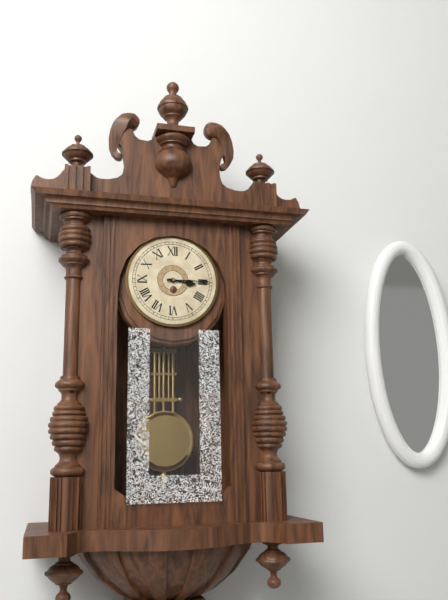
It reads 3:15
